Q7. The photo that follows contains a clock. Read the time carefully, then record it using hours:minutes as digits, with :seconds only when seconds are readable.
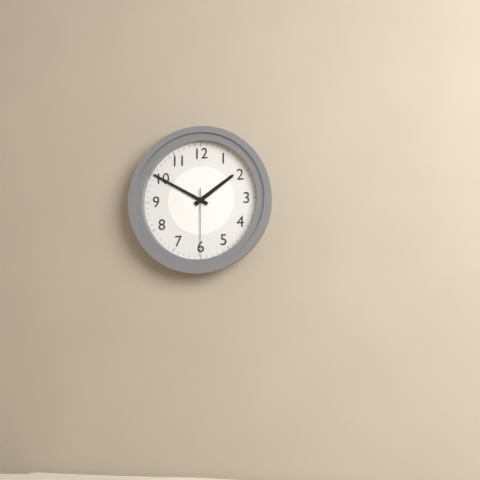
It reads 1:50:30
